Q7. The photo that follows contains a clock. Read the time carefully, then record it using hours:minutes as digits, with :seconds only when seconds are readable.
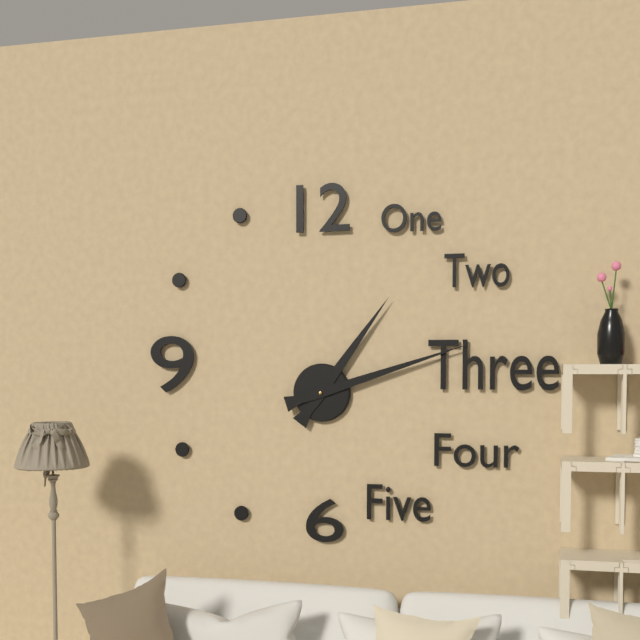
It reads 1:12
